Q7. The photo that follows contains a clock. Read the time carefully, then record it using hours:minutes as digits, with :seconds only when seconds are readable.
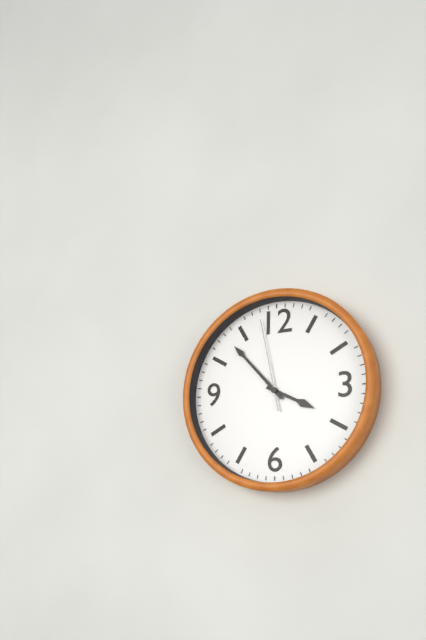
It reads 3:53:58
